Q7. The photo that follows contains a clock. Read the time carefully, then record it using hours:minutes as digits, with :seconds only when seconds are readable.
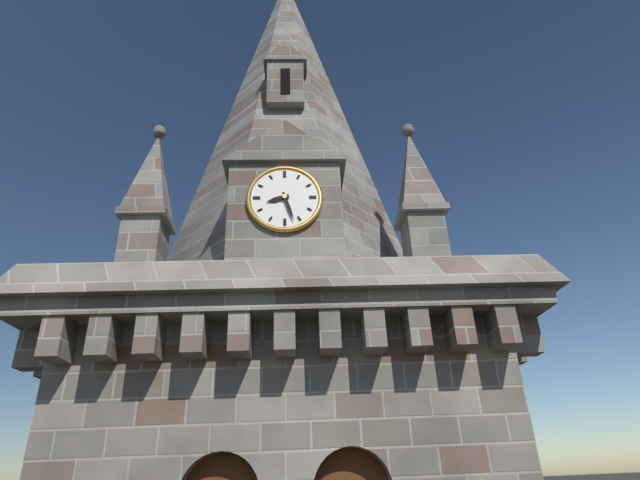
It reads 8:27
